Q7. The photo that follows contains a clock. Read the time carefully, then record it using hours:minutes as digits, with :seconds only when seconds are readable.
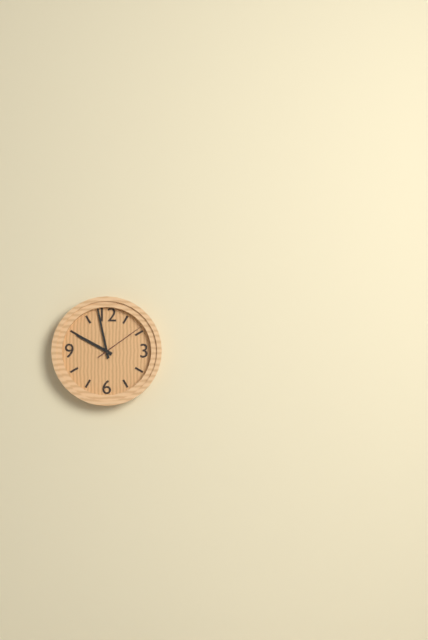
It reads 9:58:09
